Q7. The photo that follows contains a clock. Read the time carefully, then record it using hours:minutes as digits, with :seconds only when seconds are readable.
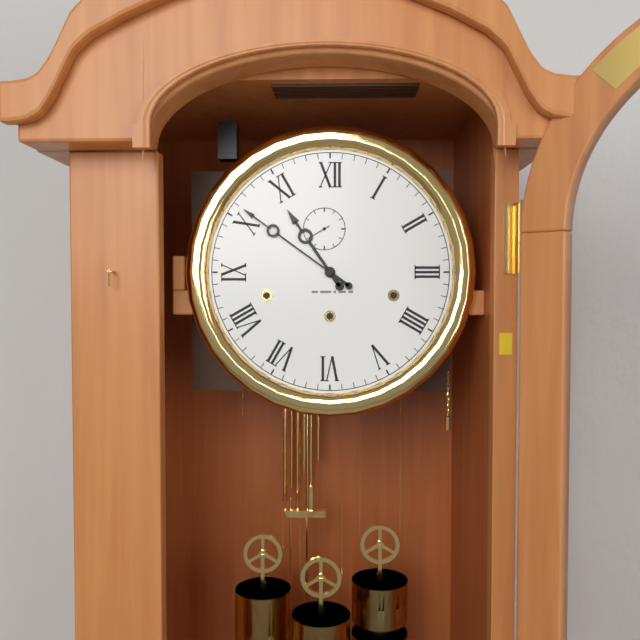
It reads 10:51
